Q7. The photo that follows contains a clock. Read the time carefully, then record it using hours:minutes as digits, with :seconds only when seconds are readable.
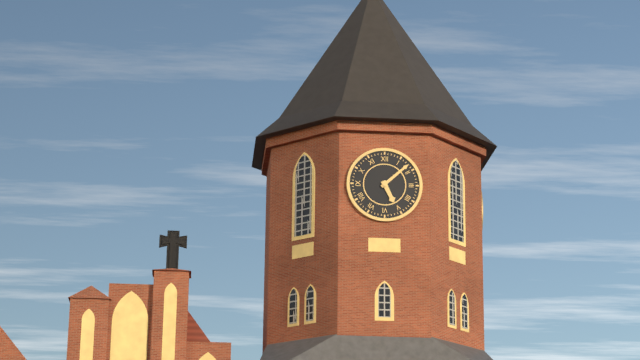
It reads 5:08
